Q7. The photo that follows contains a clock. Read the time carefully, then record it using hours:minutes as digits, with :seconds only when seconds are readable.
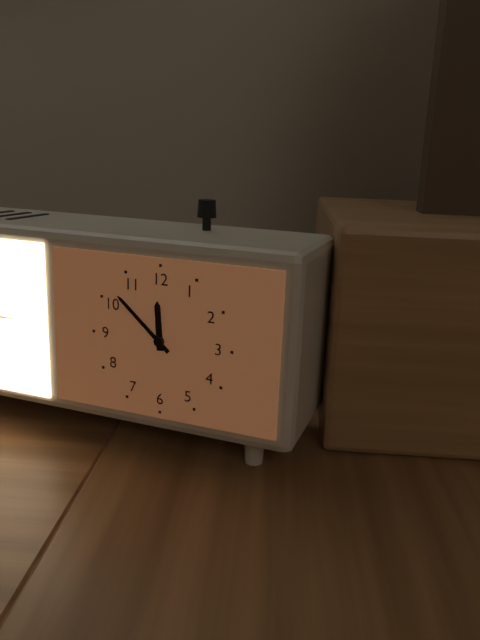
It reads 11:52
